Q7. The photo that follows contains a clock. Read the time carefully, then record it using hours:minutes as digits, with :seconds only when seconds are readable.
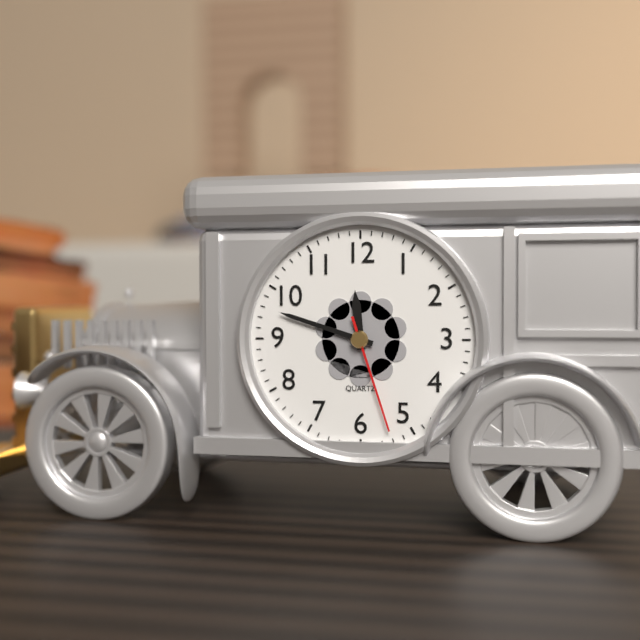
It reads 11:48:27
